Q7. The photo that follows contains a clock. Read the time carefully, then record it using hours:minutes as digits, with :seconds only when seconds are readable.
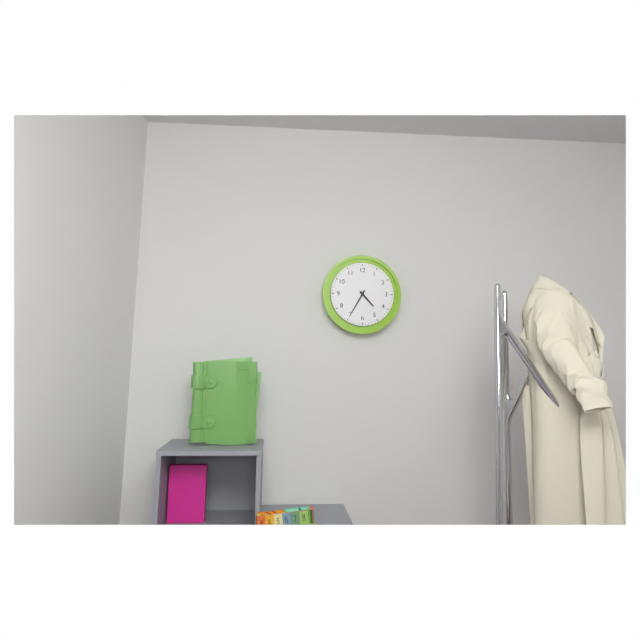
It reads 4:35
